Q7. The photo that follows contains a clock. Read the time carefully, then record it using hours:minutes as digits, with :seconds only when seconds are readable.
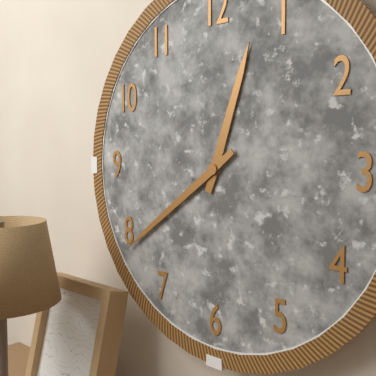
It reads 12:39
